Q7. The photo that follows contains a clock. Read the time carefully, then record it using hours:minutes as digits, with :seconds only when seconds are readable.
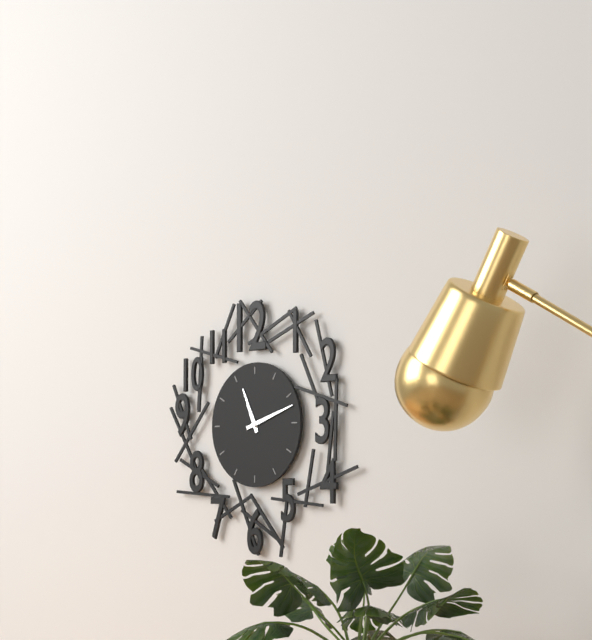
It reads 11:12
